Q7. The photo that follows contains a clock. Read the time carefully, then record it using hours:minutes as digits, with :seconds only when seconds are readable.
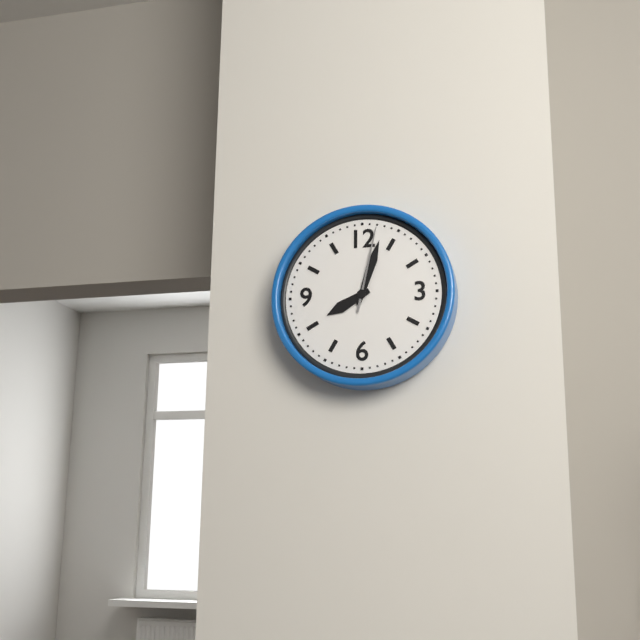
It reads 8:03:02
